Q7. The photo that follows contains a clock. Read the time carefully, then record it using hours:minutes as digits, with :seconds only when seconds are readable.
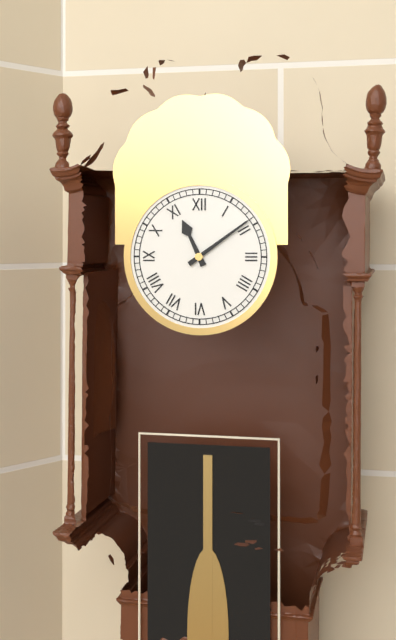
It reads 11:09
